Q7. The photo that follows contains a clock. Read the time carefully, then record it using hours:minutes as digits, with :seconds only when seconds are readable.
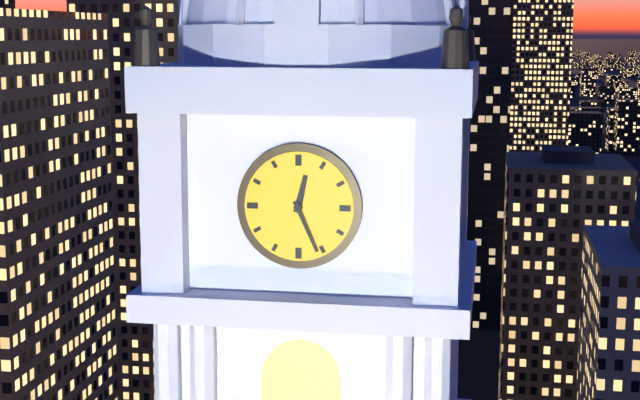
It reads 12:26
